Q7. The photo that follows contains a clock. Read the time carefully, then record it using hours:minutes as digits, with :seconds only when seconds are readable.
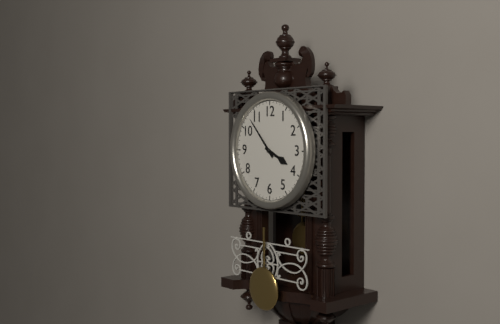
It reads 3:53
